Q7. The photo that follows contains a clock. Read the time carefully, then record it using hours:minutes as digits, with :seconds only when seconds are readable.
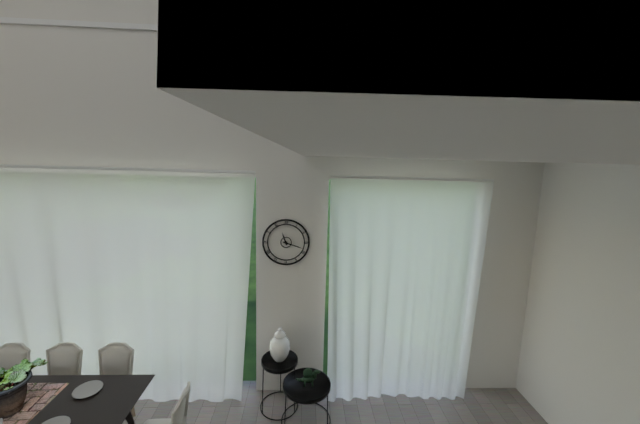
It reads 11:18
